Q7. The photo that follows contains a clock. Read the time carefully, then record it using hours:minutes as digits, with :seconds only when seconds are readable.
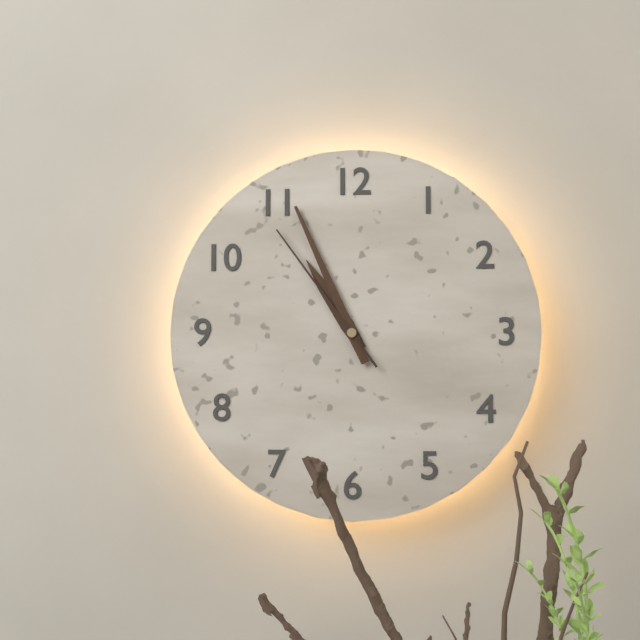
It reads 10:56:54
